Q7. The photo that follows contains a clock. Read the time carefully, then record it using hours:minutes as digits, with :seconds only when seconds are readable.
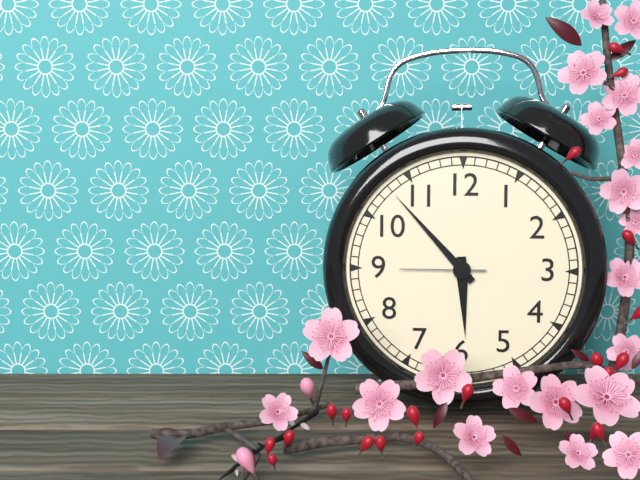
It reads 5:53:45
